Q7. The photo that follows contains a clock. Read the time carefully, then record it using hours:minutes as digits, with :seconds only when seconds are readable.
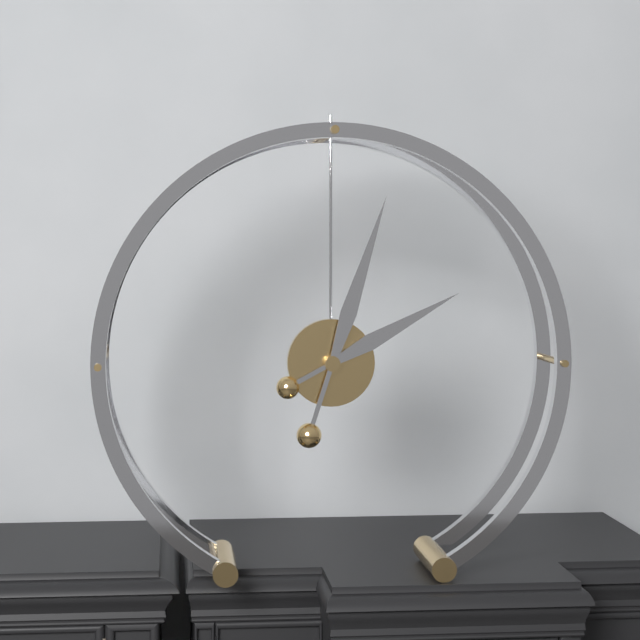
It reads 2:03
